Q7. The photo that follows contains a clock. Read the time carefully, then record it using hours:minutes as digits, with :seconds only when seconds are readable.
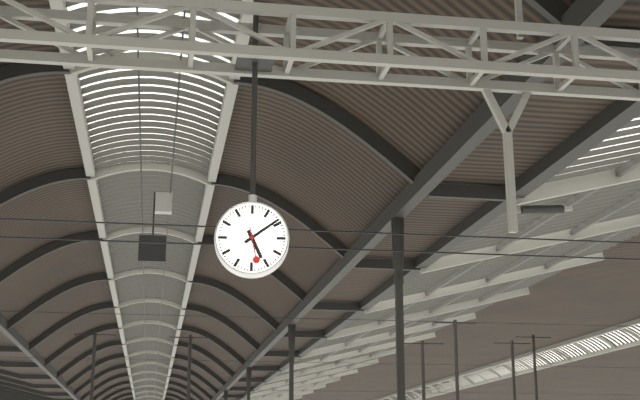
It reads 5:09
